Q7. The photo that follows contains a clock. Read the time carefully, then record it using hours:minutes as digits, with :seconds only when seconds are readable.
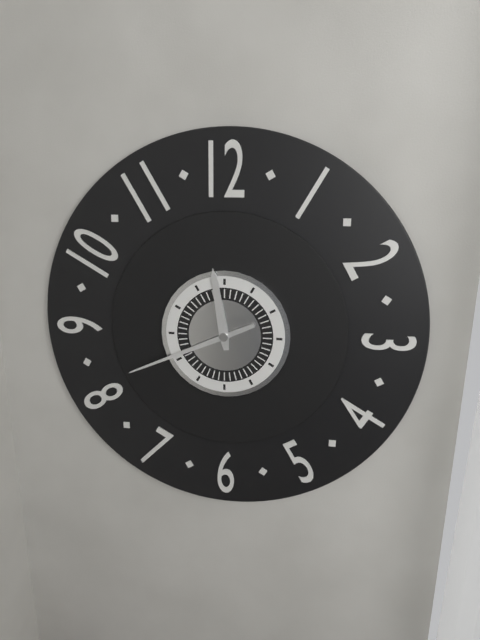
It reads 11:41
